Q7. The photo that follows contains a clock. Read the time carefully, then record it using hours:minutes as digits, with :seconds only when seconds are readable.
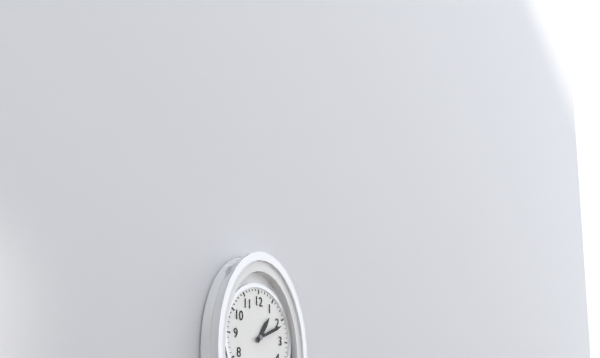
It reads 1:11
